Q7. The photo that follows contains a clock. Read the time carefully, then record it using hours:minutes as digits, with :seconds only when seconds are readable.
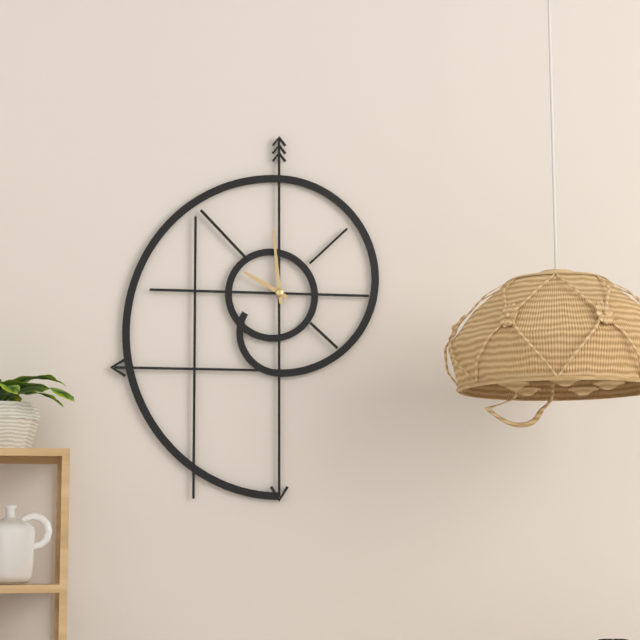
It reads 9:59
